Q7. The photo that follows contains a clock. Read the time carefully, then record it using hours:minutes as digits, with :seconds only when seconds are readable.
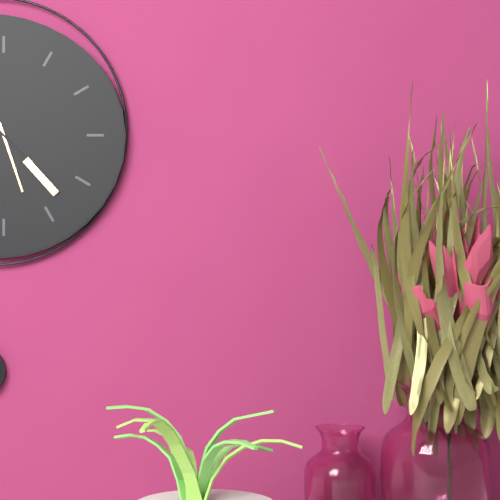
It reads 5:23
